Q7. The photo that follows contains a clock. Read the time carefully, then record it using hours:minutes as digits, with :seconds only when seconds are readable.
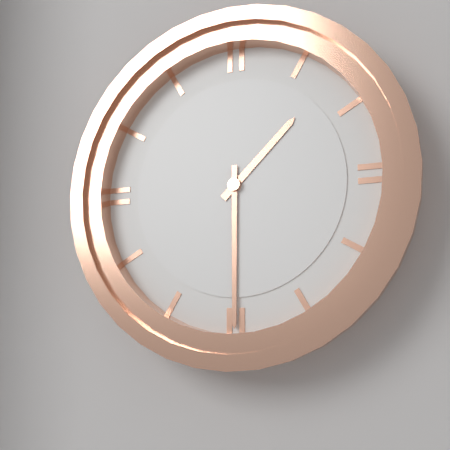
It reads 1:30
